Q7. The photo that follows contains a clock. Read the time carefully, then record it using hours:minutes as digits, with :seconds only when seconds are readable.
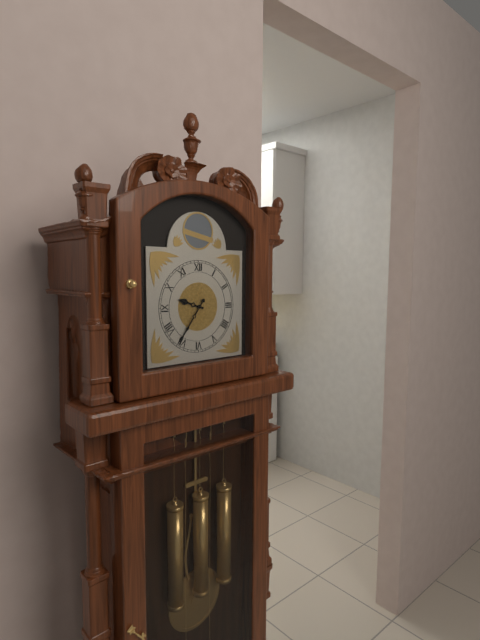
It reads 9:36
